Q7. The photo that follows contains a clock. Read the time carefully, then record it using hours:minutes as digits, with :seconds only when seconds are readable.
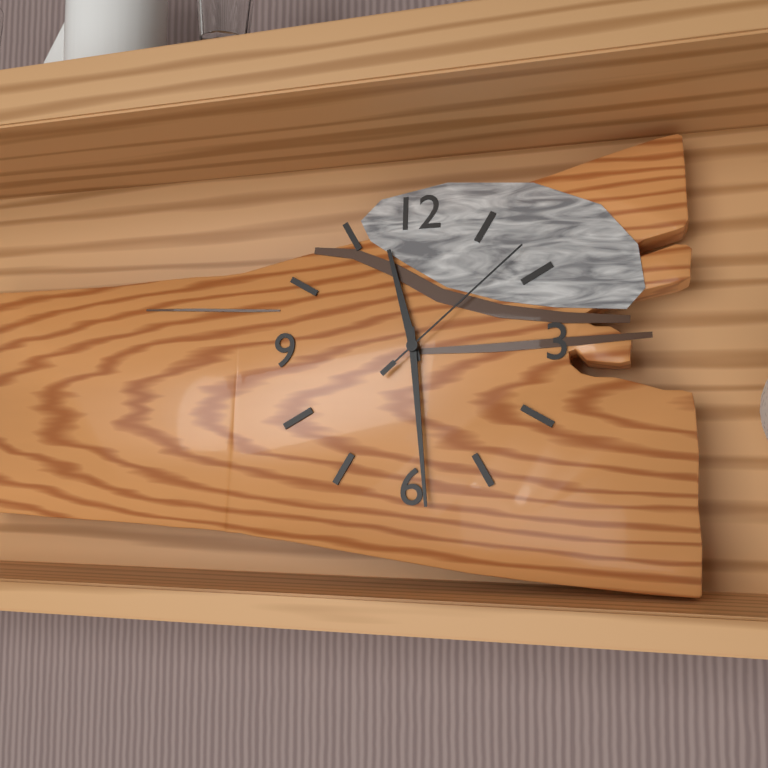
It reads 11:29:08
